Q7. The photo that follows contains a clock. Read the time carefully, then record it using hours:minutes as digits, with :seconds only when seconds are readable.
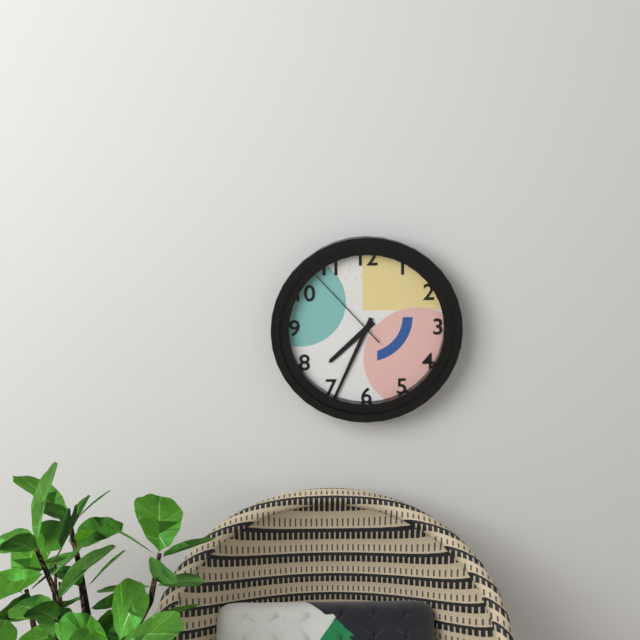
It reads 7:34:53
